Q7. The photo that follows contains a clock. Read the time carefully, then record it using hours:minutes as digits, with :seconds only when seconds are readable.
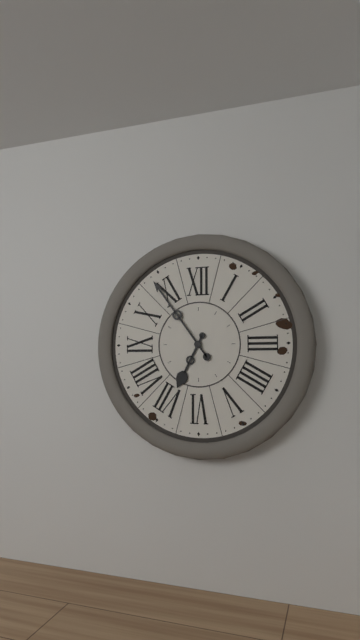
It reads 6:54
